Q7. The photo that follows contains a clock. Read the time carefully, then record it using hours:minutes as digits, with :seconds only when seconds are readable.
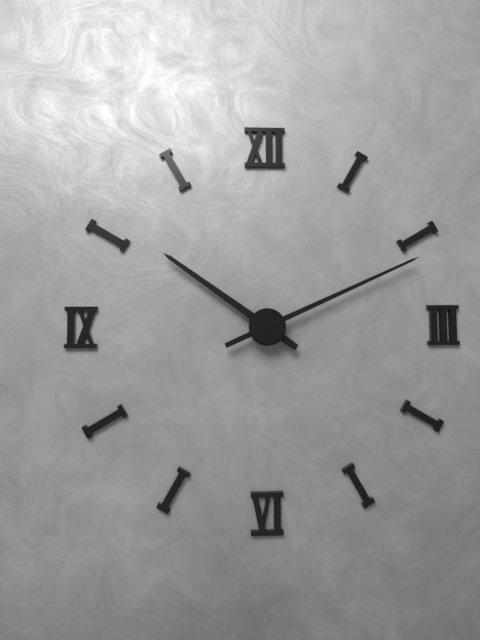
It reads 10:11
